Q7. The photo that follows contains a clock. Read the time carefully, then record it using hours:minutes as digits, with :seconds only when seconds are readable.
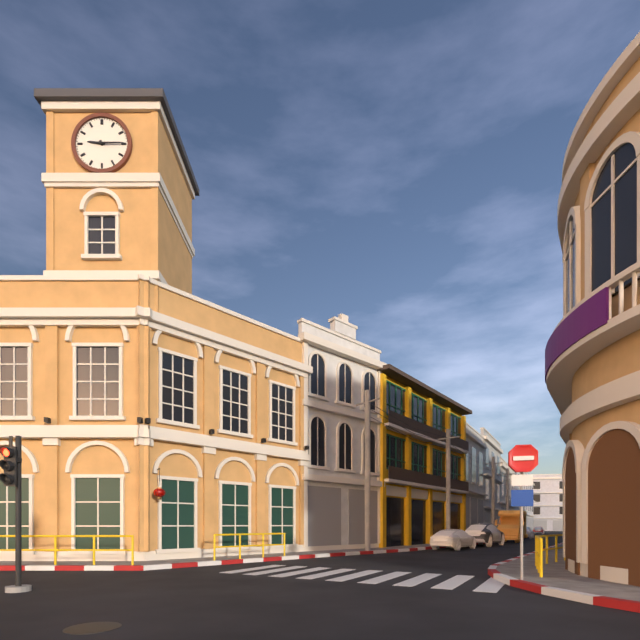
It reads 9:15
